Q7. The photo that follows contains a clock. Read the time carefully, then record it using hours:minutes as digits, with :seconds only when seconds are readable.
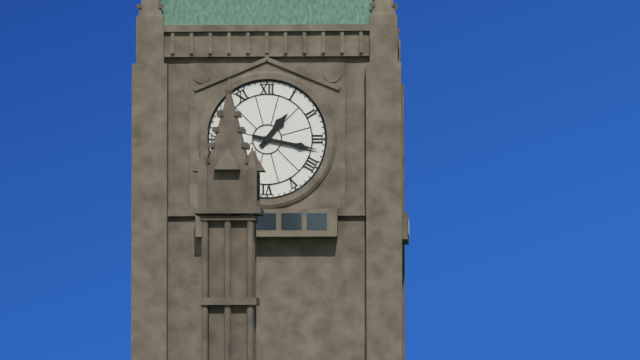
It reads 1:17
